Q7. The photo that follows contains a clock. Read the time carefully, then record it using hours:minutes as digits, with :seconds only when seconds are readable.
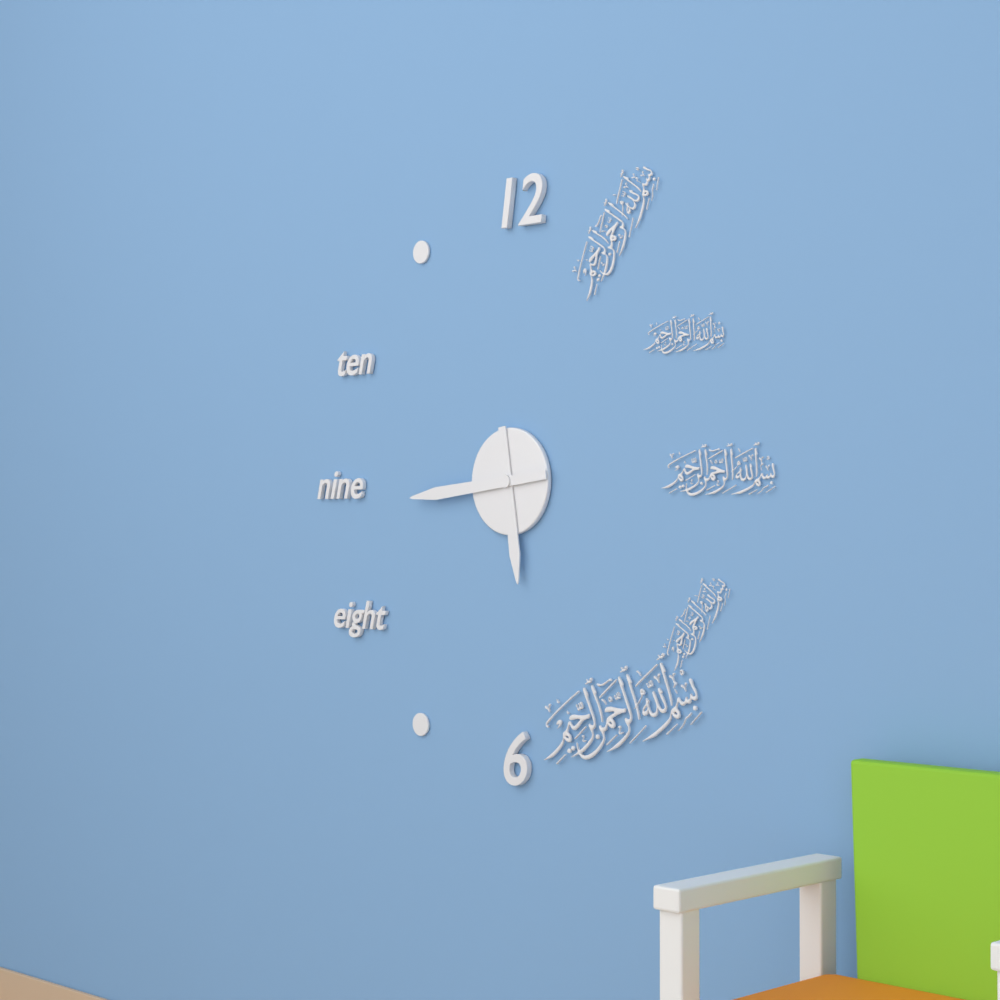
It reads 5:44
